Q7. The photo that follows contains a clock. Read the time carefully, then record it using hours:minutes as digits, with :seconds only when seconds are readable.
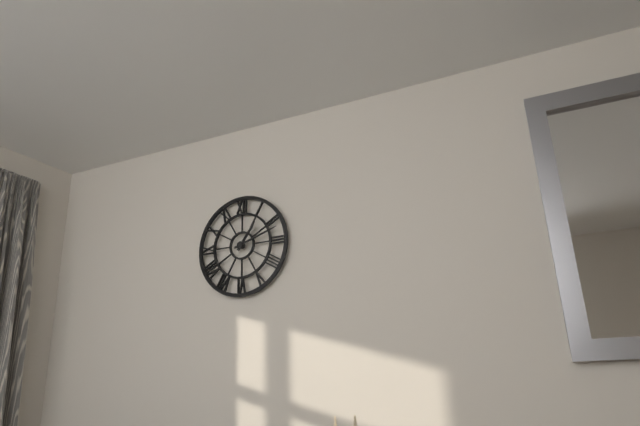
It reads 1:12
